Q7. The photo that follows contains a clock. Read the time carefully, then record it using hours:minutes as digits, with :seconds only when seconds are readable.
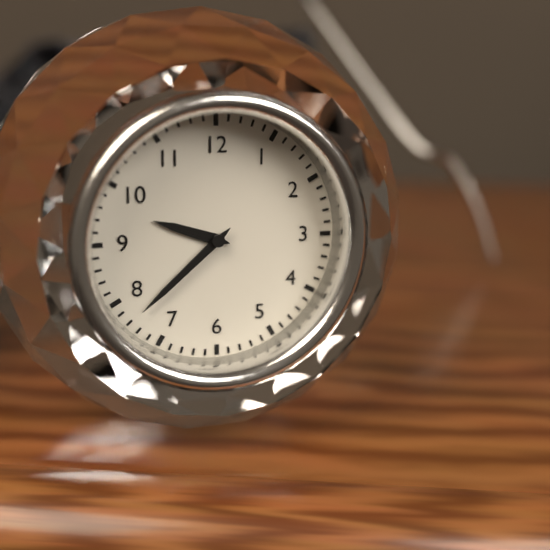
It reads 9:38
